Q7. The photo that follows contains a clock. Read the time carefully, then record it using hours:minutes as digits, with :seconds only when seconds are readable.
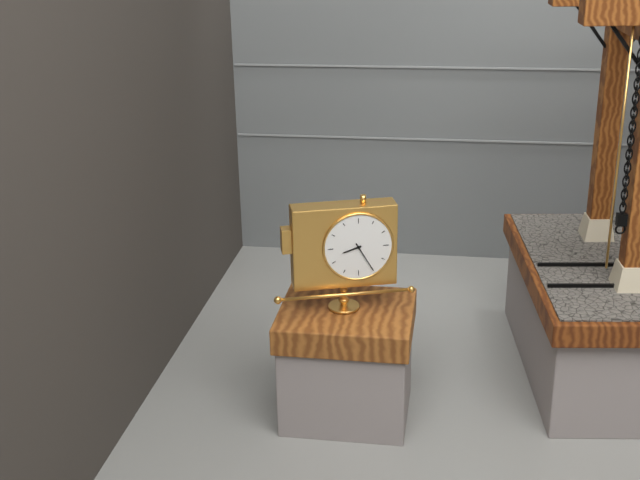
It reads 8:25
